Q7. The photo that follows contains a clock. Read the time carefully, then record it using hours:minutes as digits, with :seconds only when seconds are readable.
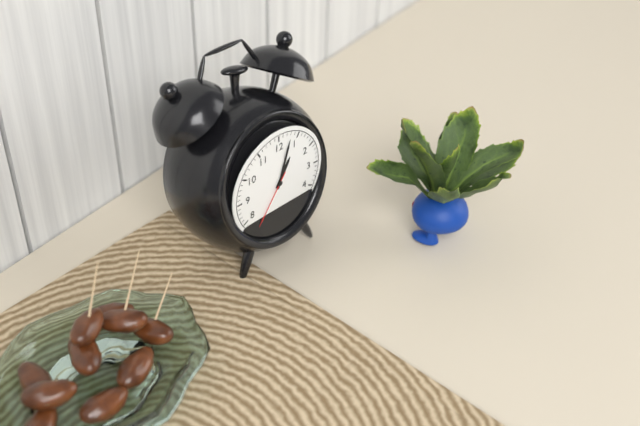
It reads 1:03:36
